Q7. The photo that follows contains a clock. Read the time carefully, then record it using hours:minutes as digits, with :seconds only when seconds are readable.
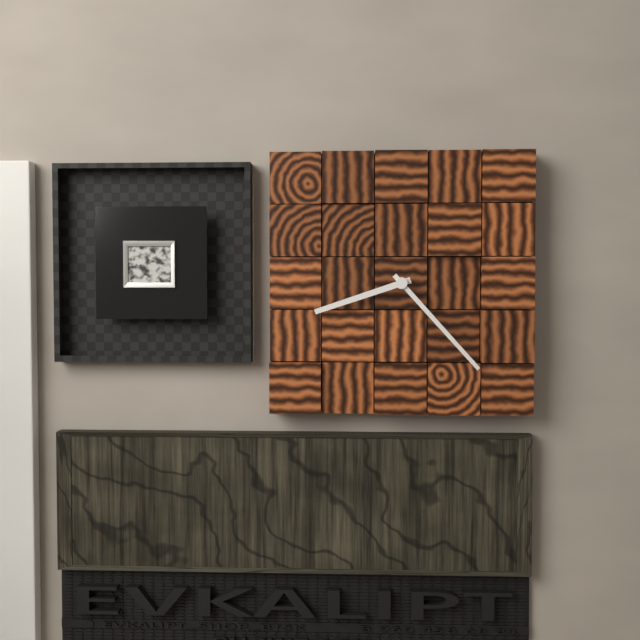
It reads 8:23
